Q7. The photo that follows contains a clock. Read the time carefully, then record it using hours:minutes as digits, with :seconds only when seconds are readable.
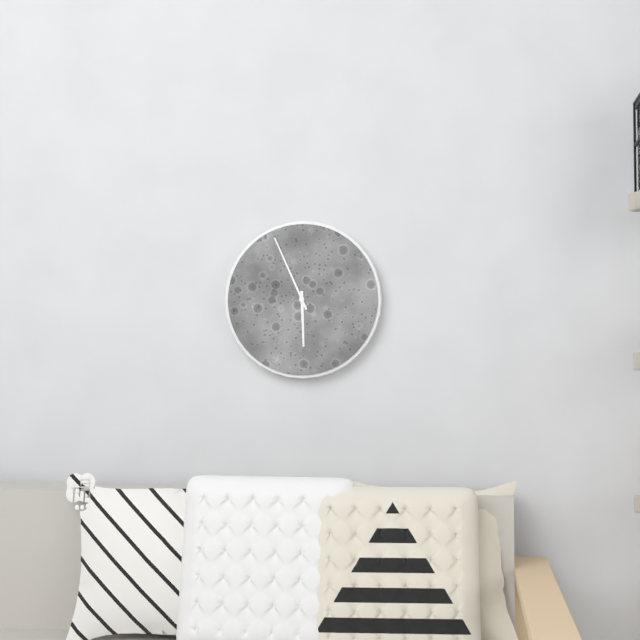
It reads 5:56
